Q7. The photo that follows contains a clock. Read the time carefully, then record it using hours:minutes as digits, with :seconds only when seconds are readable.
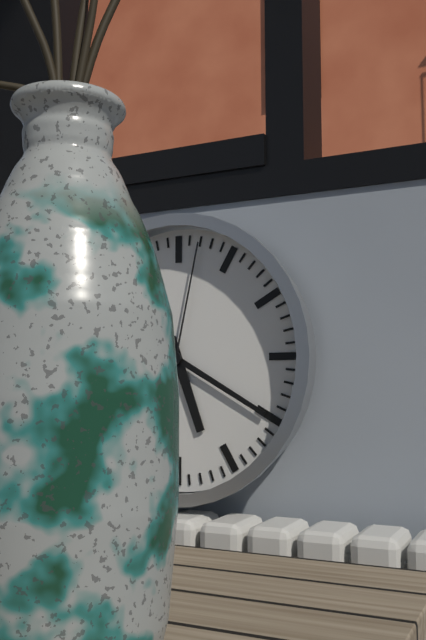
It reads 5:20:02
